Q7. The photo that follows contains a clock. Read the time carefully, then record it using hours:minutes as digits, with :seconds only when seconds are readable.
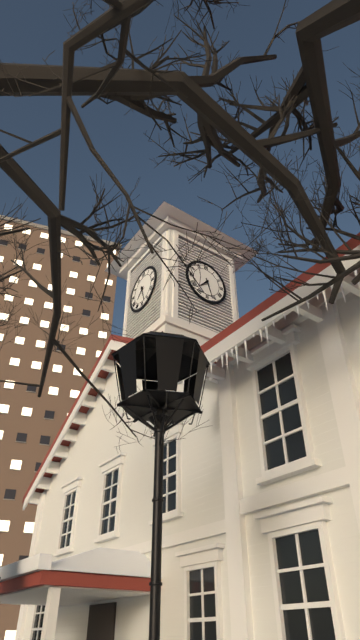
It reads 7:27
